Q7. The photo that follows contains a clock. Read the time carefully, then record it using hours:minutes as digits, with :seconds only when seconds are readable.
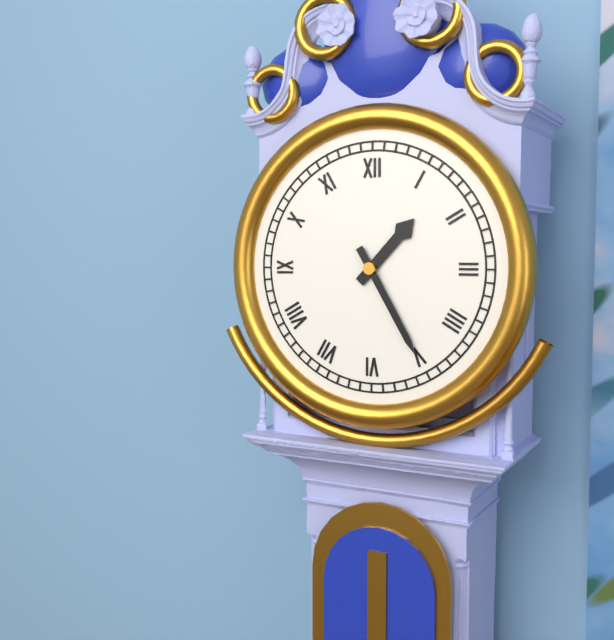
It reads 1:25
